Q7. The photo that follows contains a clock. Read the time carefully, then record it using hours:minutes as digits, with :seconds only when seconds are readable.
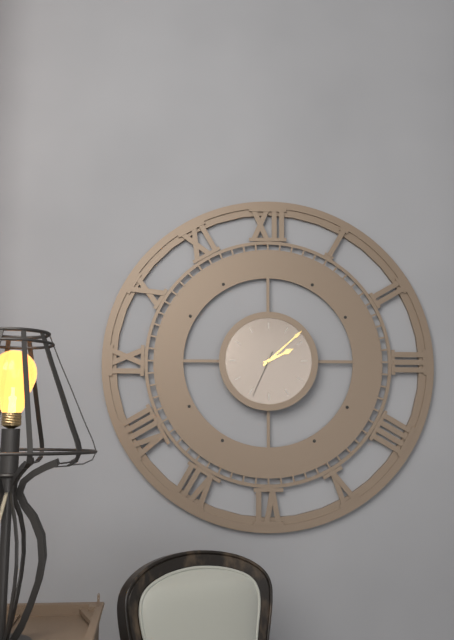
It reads 2:08
